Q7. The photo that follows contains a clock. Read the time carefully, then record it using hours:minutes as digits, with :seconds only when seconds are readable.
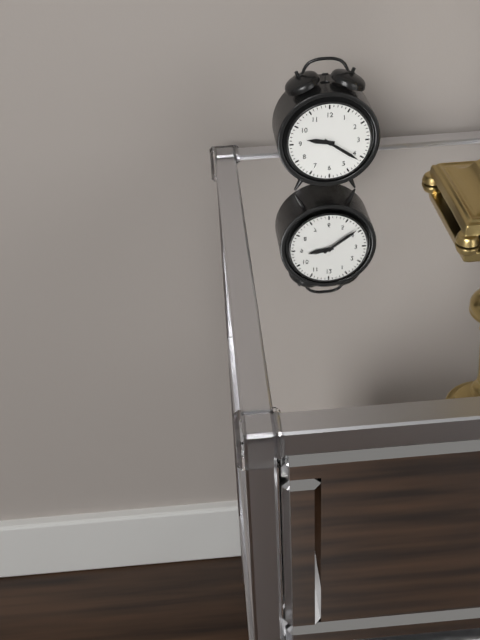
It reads 9:21
